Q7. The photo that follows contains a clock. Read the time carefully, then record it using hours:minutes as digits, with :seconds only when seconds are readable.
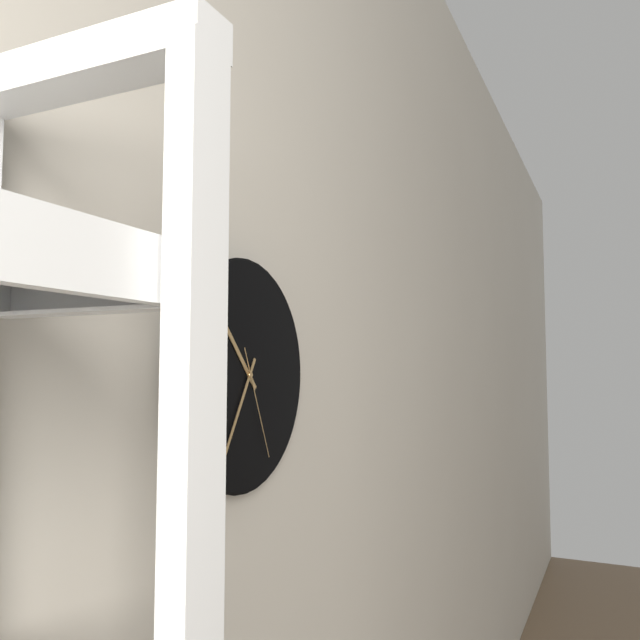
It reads 10:35:26
